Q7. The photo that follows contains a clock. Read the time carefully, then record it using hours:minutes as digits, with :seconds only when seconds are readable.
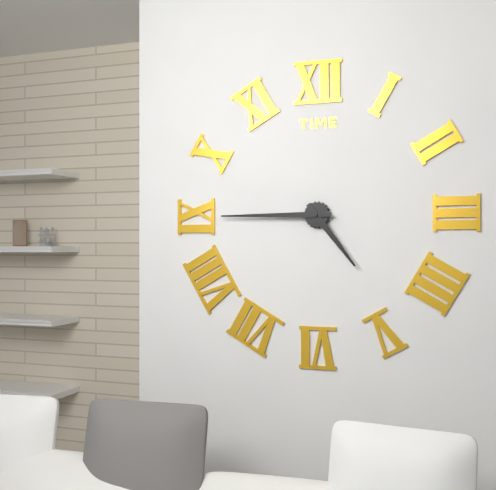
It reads 4:45
